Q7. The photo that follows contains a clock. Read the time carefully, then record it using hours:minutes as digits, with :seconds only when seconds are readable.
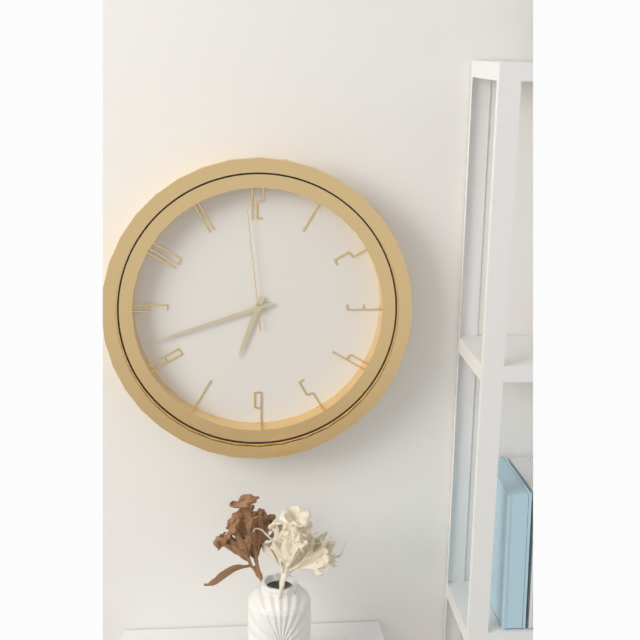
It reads 6:42:59
